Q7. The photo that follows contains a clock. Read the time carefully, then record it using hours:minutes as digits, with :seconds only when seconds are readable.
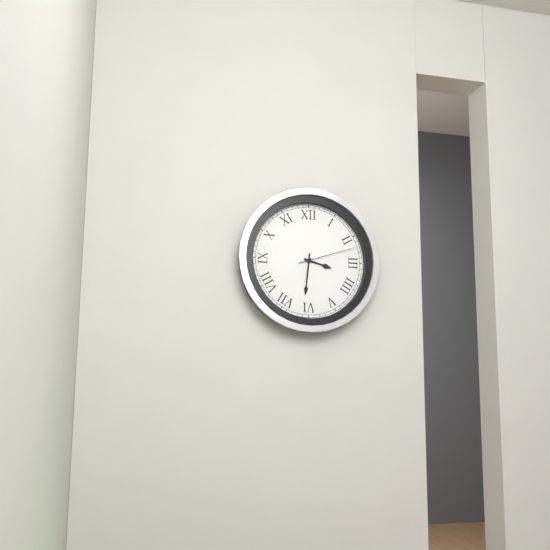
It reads 3:31:12
